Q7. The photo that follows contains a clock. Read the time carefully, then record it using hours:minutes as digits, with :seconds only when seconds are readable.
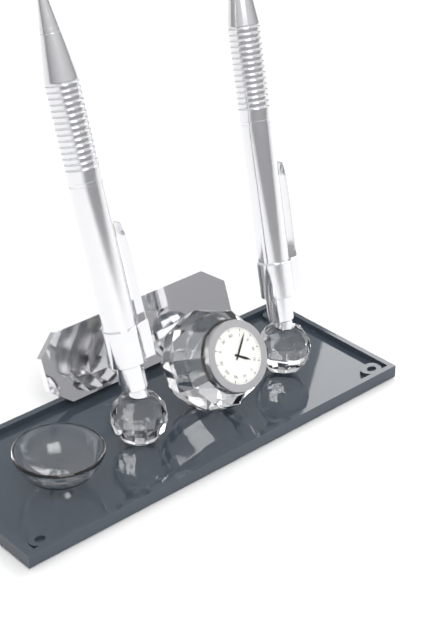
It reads 4:07
